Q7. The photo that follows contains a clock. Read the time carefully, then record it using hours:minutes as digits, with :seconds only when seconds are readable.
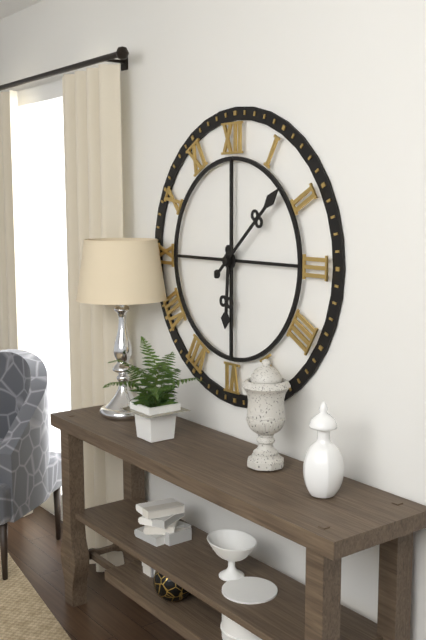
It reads 6:08
